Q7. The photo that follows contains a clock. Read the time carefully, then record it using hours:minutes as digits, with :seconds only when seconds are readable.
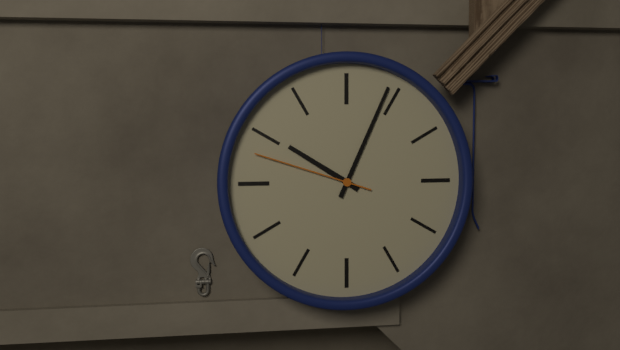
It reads 10:04:48
